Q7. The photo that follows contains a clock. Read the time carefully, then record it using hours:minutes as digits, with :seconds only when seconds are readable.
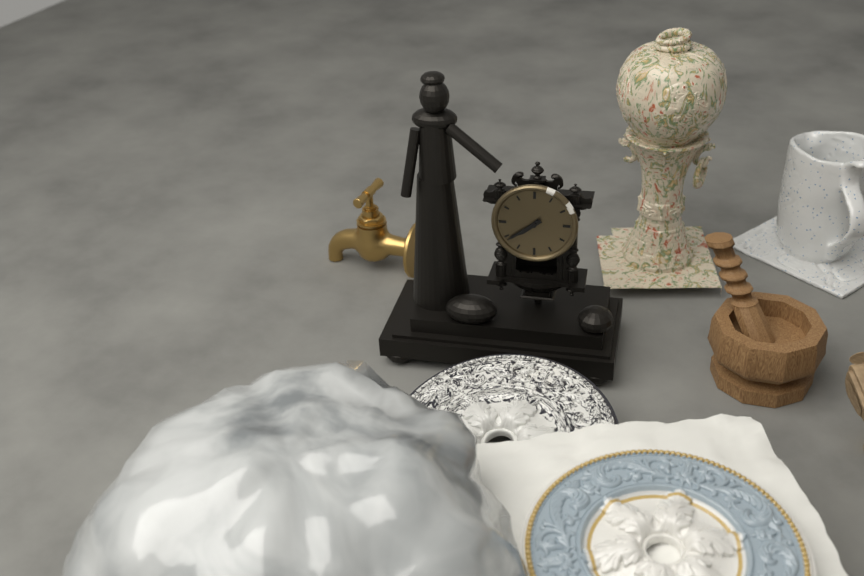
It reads 7:39
